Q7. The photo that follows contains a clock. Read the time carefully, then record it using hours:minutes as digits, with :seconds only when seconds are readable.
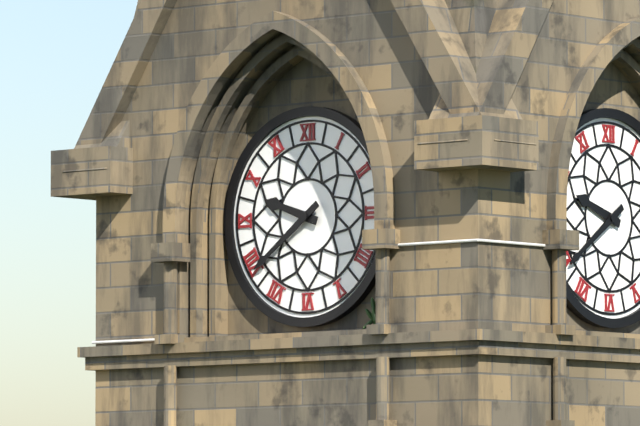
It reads 9:39
